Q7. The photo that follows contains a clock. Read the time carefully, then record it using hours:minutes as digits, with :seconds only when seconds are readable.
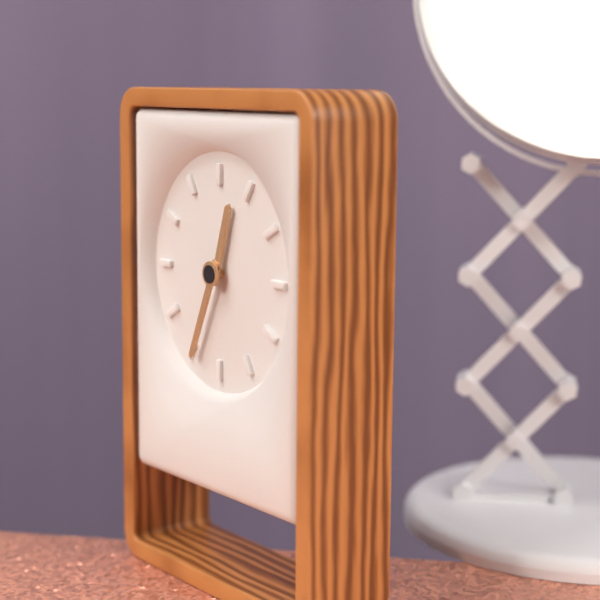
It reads 12:34
